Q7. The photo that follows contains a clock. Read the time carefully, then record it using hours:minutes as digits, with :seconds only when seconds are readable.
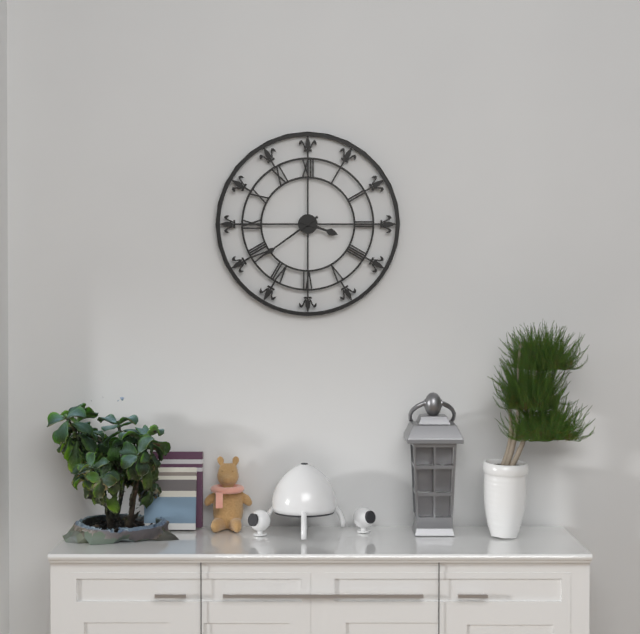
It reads 3:39
